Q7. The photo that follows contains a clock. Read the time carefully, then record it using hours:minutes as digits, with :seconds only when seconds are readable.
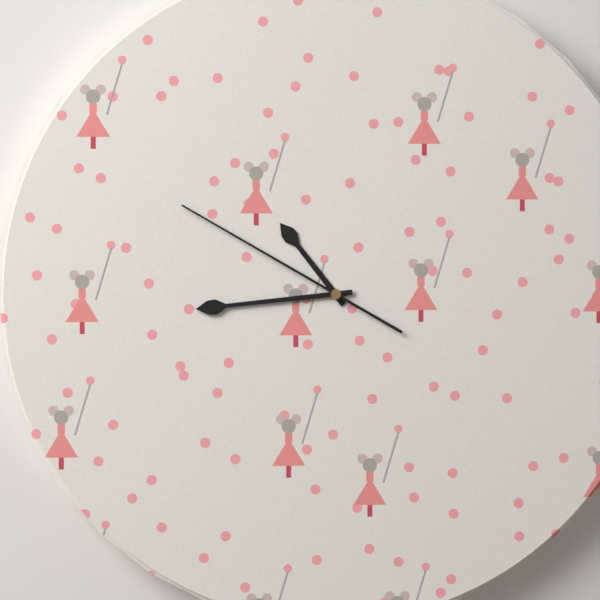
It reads 10:44:50
